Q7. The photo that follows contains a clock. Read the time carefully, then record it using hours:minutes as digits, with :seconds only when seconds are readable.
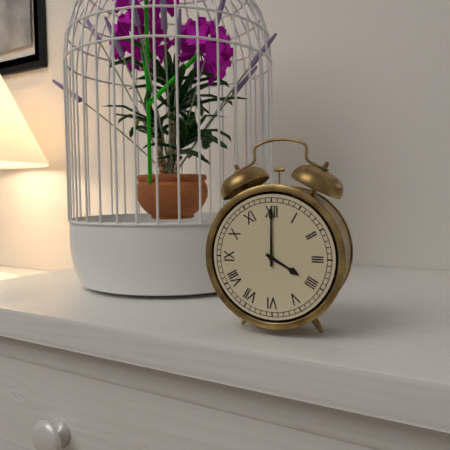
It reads 4:00
